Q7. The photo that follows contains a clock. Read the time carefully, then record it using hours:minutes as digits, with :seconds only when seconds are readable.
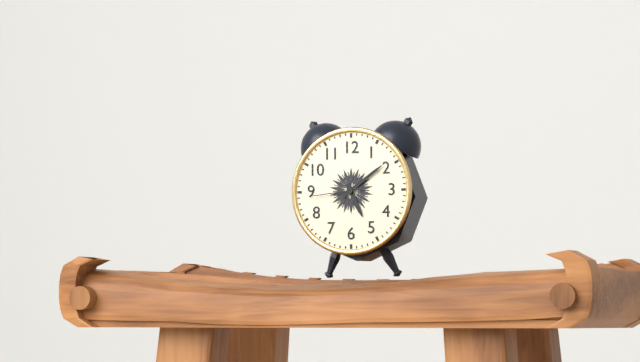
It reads 5:09:44
